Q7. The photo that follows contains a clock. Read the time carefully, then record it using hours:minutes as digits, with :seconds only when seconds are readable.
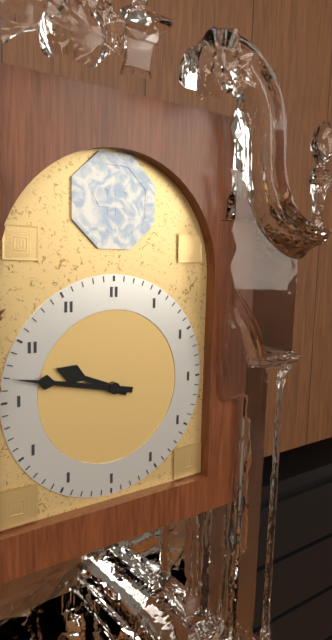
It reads 9:47
